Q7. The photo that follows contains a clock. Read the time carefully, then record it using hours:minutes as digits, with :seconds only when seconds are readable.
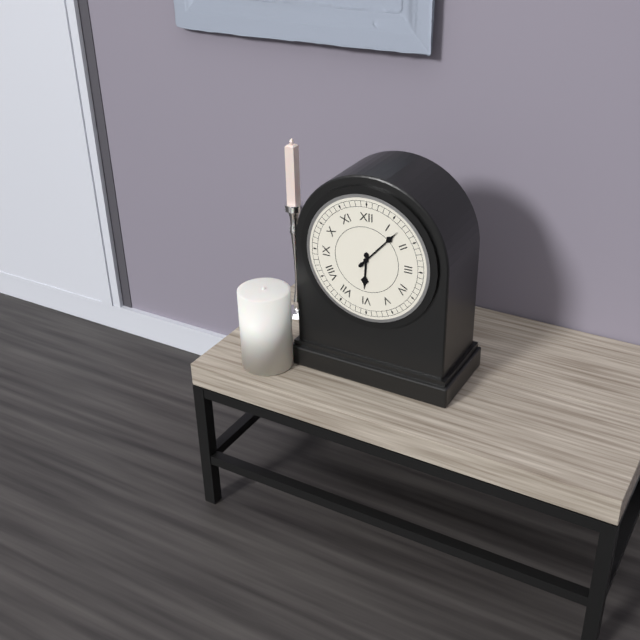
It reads 6:07
